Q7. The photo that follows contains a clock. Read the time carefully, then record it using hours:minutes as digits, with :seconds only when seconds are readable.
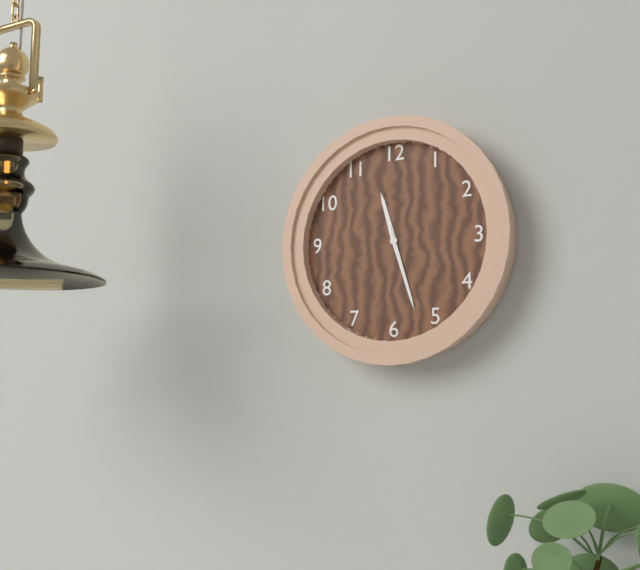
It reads 11:27
